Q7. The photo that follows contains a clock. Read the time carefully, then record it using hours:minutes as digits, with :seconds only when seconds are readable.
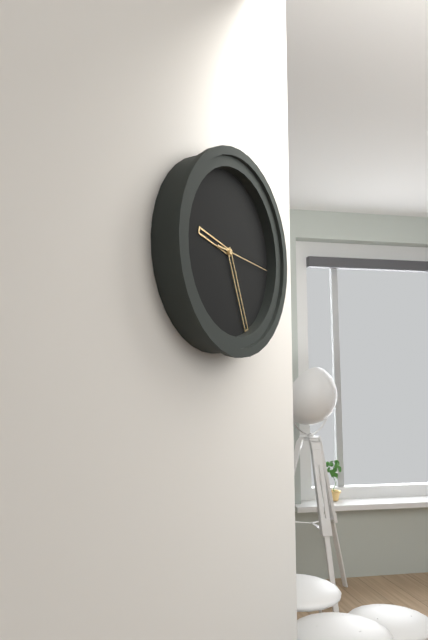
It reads 9:26:16
